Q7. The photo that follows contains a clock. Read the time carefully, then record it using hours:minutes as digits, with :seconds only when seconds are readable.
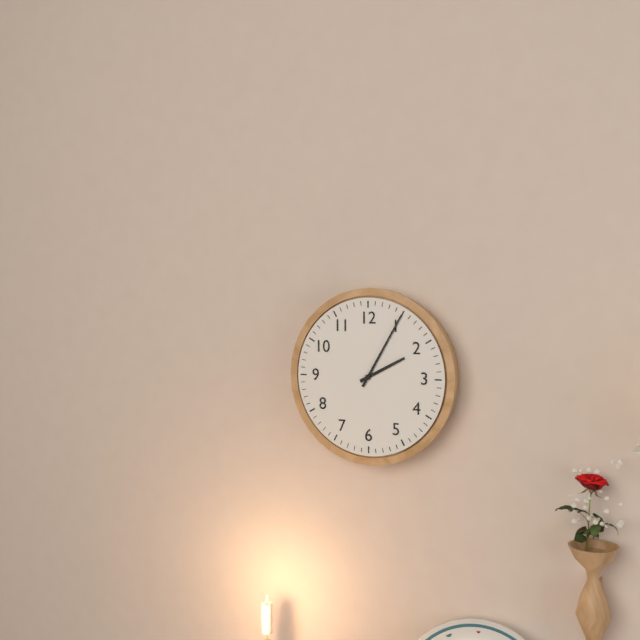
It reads 2:05
